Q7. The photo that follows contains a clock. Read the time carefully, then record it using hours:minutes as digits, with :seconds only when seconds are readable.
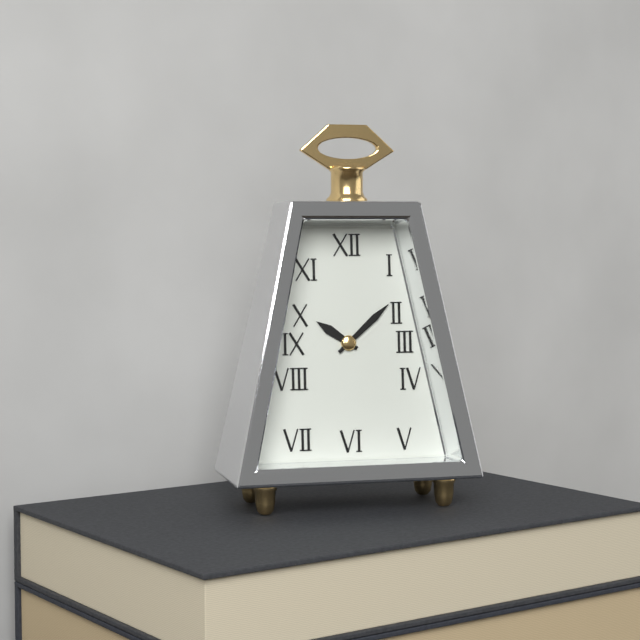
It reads 10:08
